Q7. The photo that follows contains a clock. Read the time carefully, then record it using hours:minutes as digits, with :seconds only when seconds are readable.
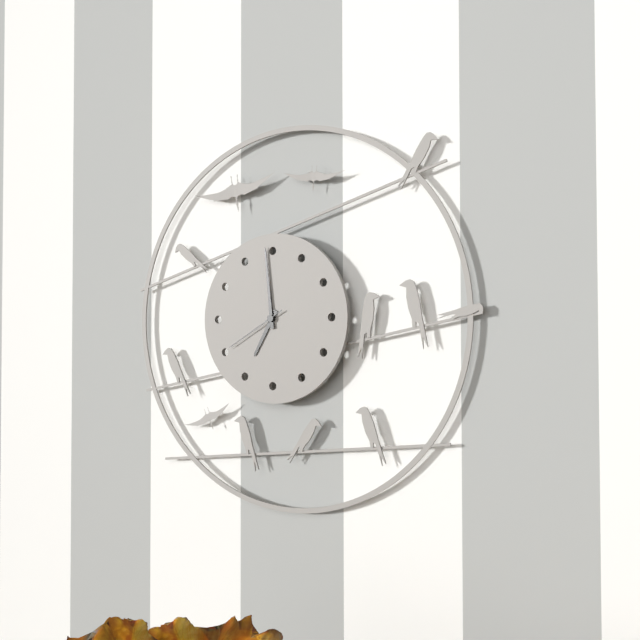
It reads 6:59:40
